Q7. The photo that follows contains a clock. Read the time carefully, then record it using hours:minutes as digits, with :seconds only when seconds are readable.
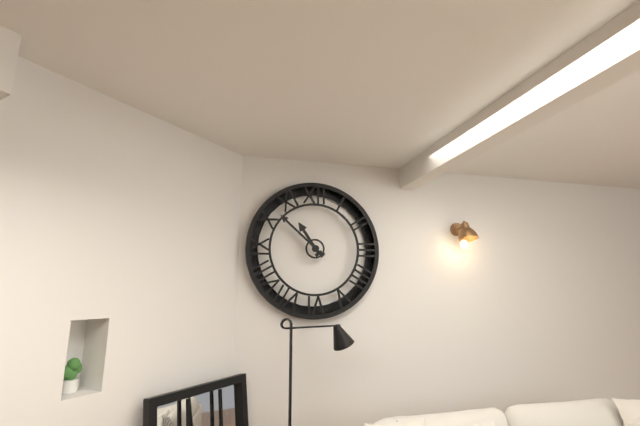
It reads 10:52
